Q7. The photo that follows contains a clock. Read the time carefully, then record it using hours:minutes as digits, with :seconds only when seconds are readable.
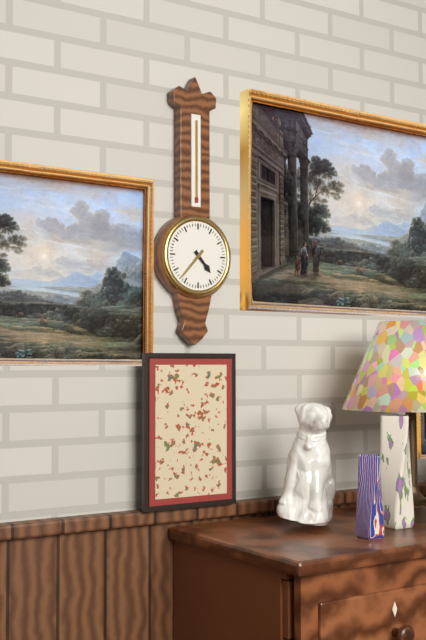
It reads 4:37
